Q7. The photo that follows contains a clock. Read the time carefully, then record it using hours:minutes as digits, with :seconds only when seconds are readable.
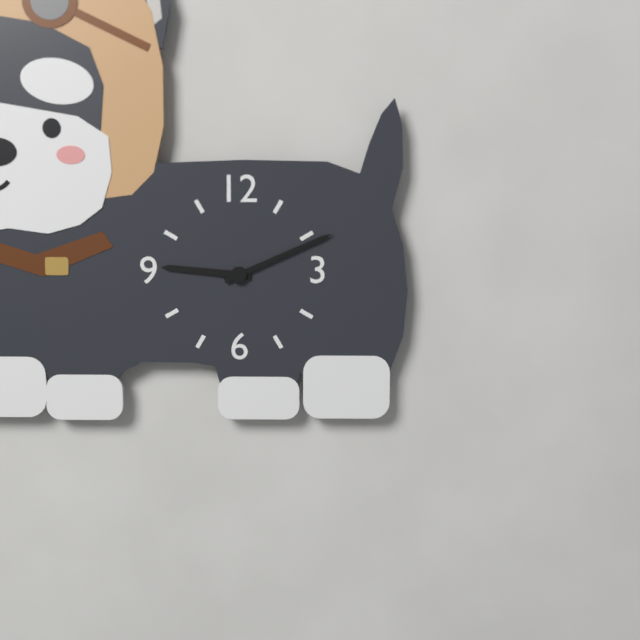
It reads 9:11
